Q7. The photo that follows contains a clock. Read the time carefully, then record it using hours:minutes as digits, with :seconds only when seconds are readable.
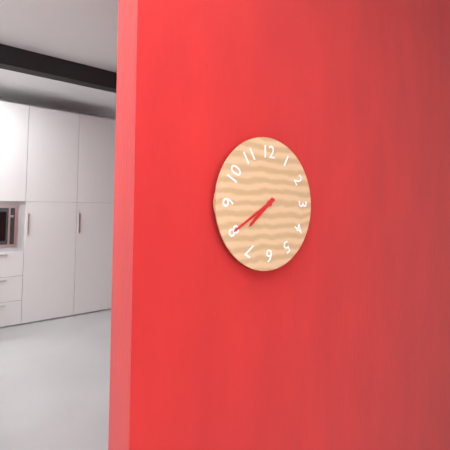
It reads 7:40
